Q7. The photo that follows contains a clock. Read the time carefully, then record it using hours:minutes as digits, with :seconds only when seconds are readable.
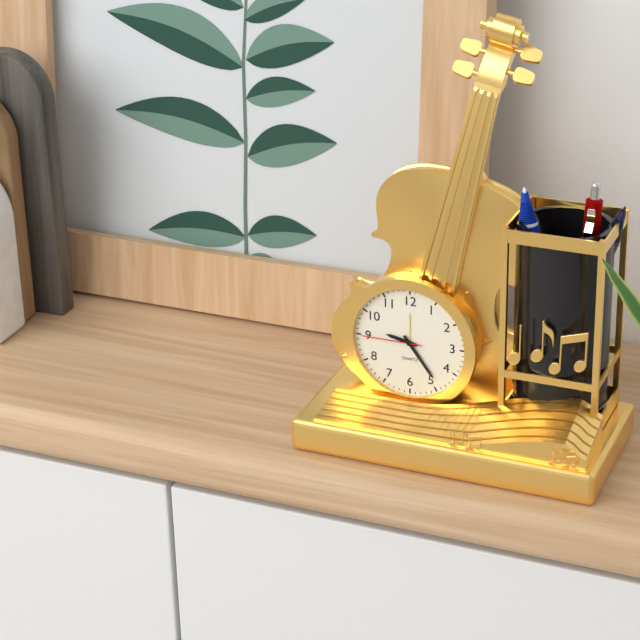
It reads 9:24:45
